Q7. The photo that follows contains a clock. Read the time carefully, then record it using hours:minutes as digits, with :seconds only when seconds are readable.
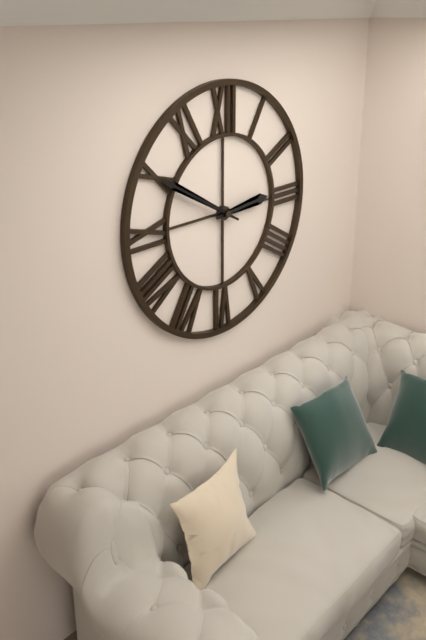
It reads 2:50
